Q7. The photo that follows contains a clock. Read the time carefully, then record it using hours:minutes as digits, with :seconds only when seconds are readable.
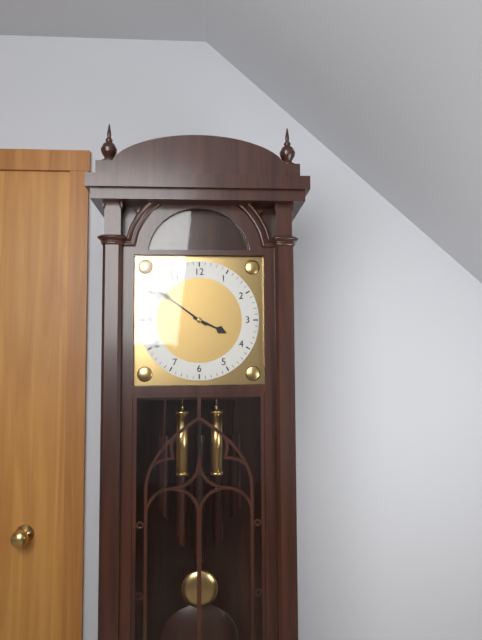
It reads 3:51
